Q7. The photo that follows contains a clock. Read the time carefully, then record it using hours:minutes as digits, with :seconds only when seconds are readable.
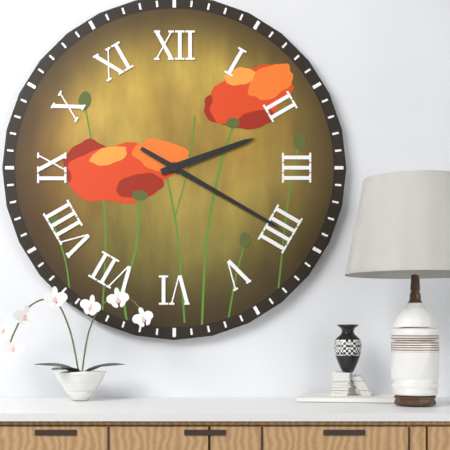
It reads 2:20
